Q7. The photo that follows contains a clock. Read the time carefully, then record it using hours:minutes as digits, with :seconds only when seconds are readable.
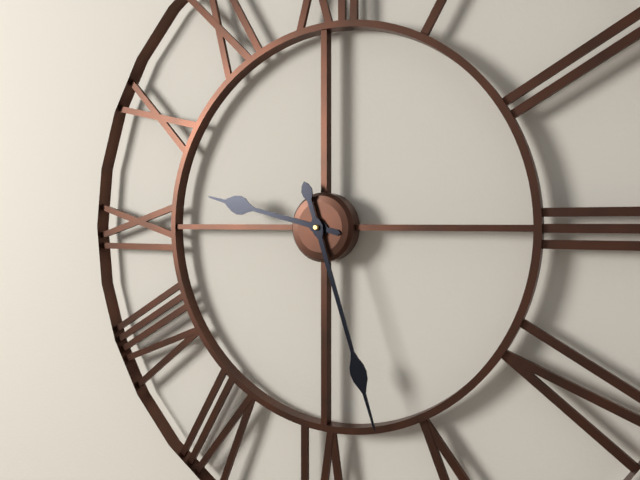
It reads 9:27
